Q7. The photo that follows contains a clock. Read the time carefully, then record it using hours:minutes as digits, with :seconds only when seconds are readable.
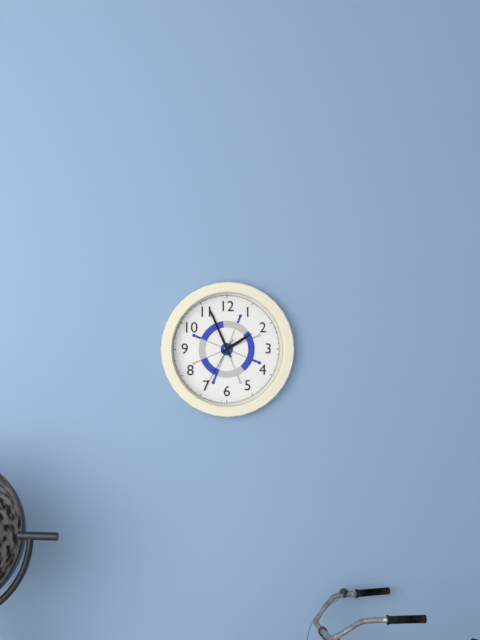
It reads 1:56:35
